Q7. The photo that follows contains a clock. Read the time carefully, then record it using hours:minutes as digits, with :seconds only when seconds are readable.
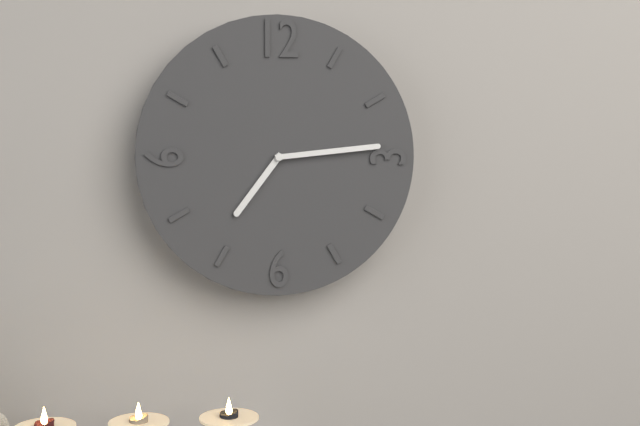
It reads 7:14
